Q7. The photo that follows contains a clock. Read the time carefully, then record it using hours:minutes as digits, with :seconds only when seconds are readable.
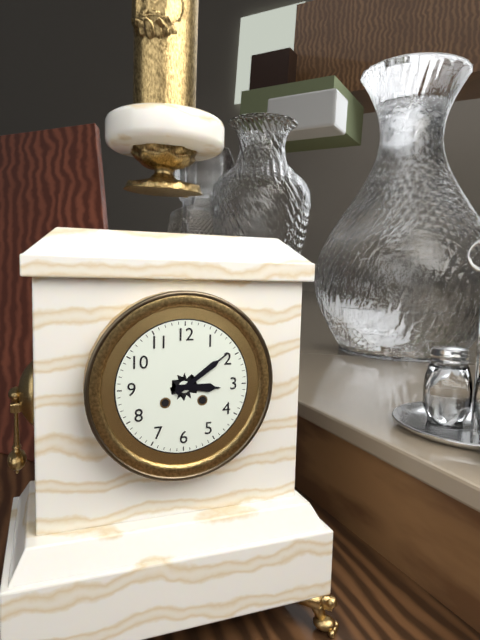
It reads 3:09
